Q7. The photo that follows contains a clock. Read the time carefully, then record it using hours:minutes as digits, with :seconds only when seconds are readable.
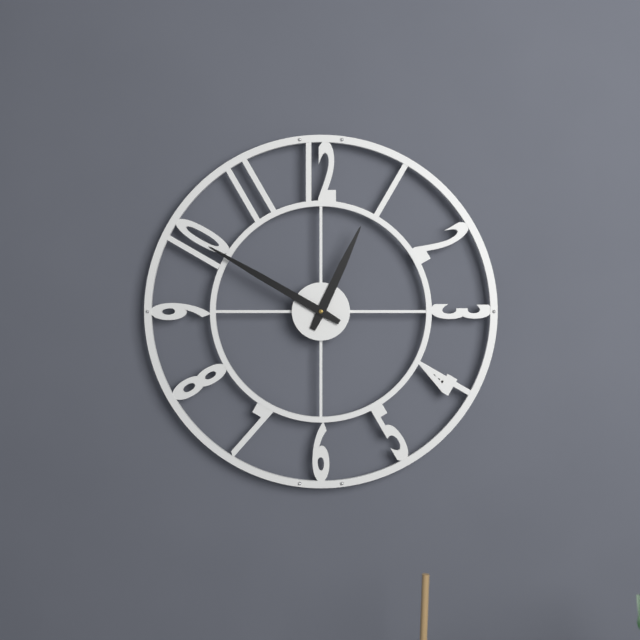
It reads 12:50
